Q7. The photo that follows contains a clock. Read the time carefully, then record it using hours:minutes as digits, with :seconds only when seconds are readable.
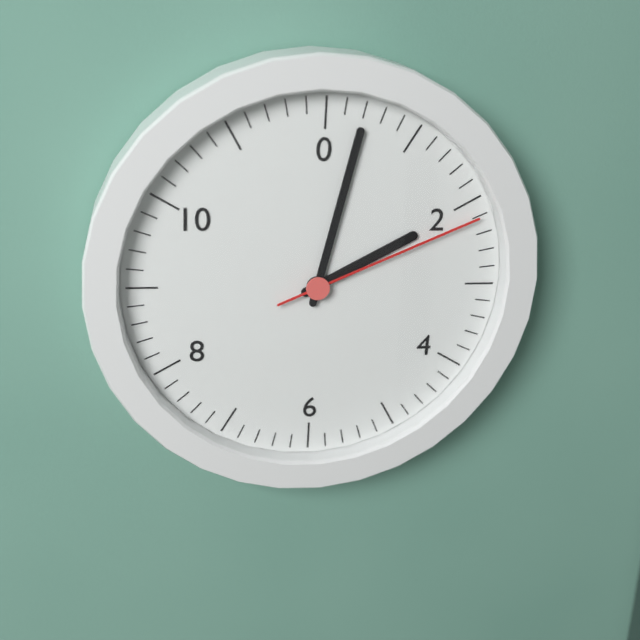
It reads 2:02:11
